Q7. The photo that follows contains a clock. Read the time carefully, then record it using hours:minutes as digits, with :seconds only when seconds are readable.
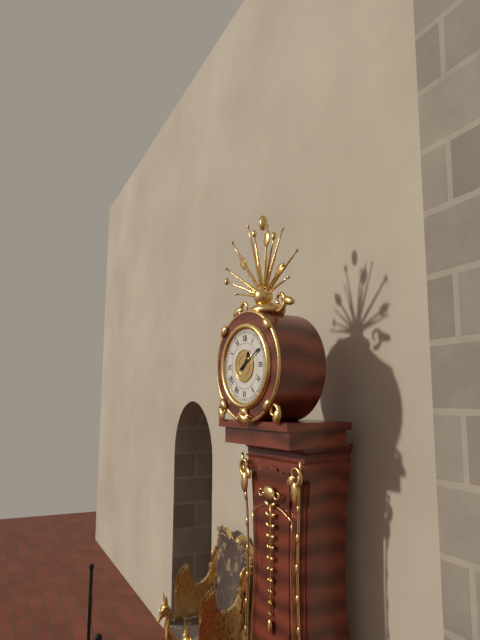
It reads 1:10
